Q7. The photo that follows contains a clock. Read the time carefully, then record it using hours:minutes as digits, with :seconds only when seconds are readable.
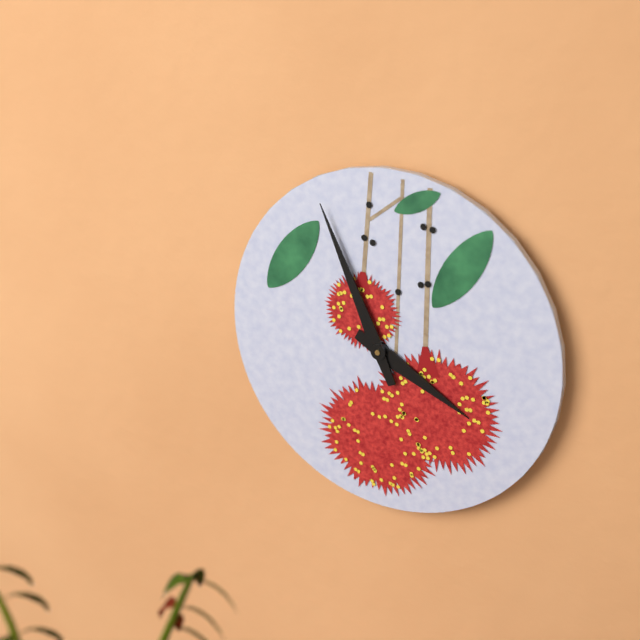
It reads 3:56
